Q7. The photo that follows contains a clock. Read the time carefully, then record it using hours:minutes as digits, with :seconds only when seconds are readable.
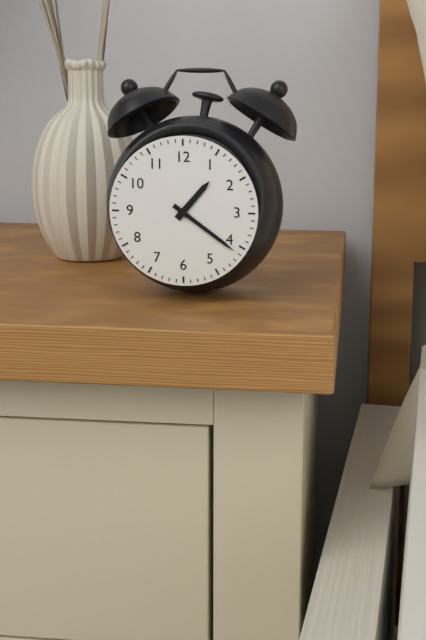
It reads 1:21
